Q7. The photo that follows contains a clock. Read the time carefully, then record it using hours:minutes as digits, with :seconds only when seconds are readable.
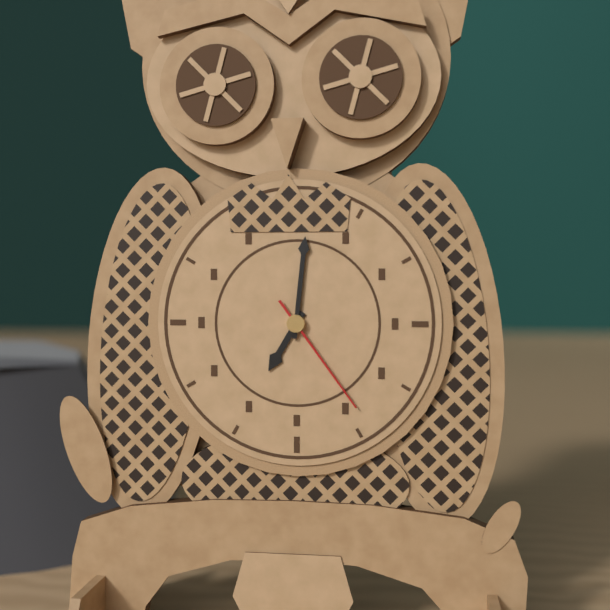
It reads 7:01:24
